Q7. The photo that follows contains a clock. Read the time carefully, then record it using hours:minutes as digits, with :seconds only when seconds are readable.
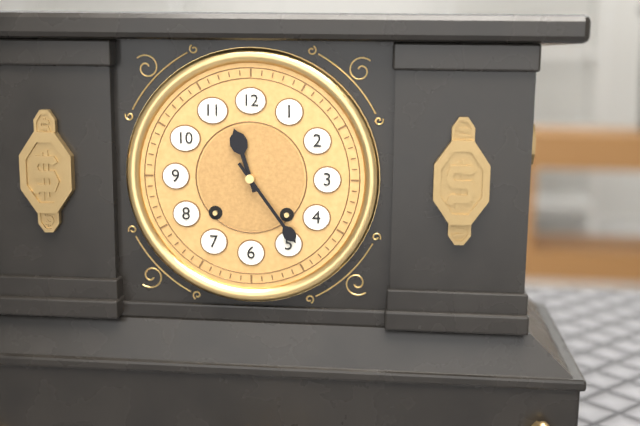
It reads 11:24
